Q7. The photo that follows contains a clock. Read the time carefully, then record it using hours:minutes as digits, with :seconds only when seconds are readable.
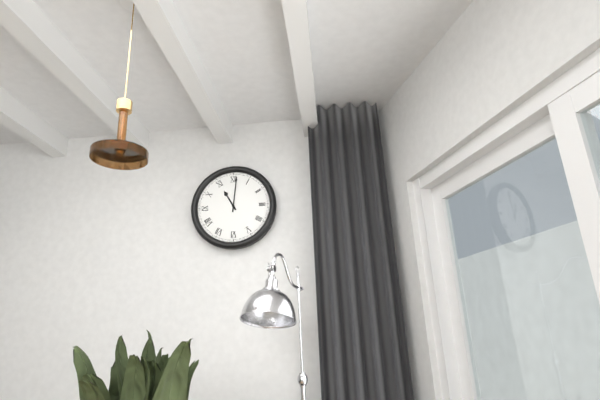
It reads 11:01
